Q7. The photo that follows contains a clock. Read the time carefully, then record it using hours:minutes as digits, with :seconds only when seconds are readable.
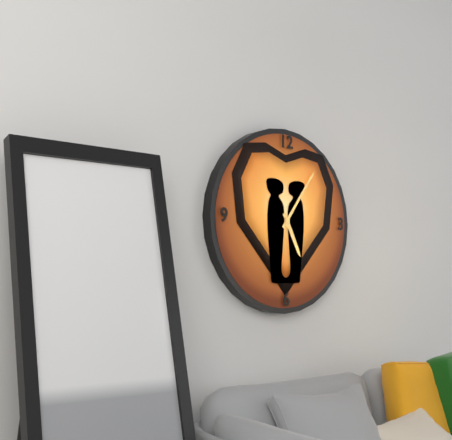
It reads 5:06
